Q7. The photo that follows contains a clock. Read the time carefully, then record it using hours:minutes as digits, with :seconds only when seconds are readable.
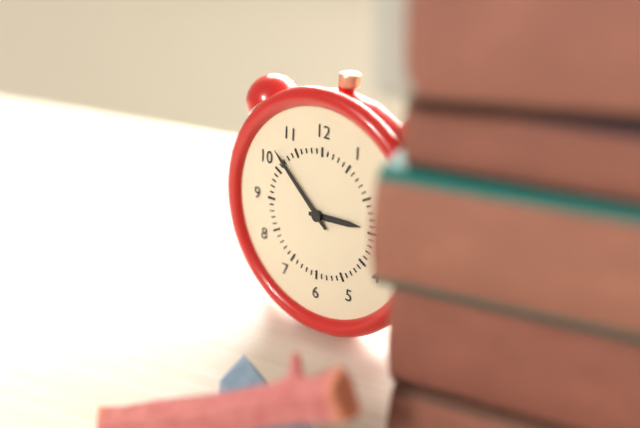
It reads 2:52
